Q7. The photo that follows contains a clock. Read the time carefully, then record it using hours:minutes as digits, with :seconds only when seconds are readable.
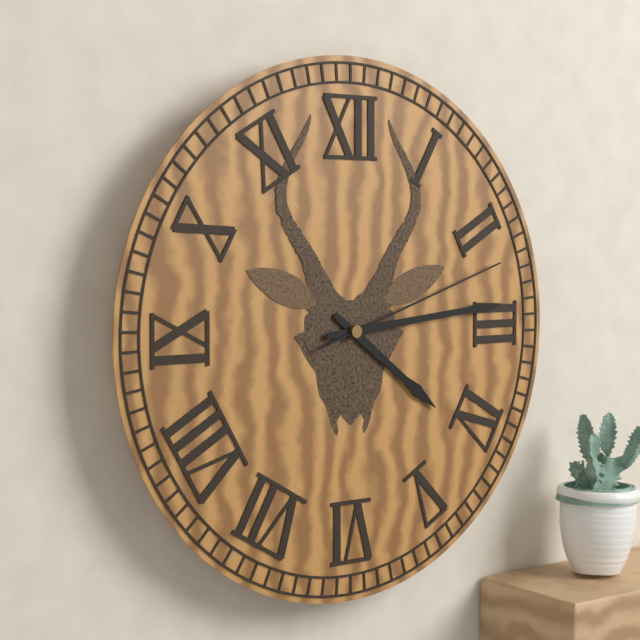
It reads 4:14:12
